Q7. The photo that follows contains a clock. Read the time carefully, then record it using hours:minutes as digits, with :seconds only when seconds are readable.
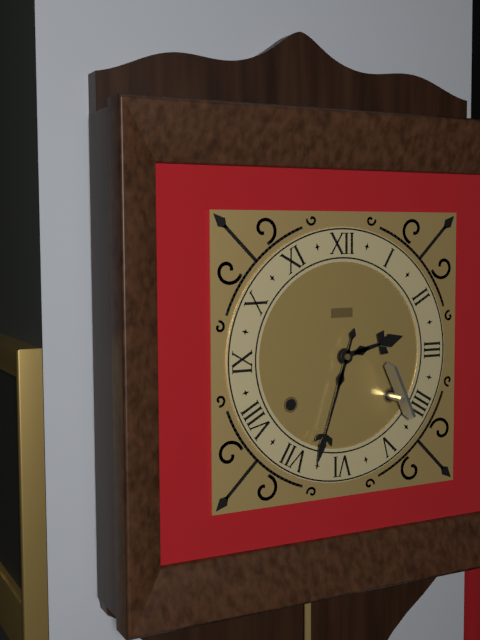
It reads 2:33
